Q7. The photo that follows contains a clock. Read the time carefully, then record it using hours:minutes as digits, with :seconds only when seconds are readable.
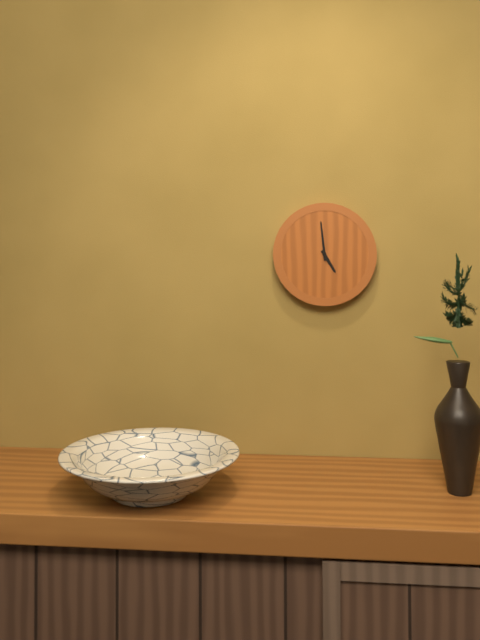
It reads 4:59
